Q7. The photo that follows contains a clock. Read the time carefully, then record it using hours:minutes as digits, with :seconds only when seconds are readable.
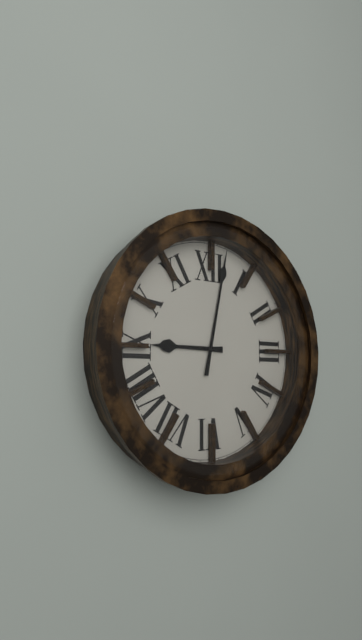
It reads 9:02
